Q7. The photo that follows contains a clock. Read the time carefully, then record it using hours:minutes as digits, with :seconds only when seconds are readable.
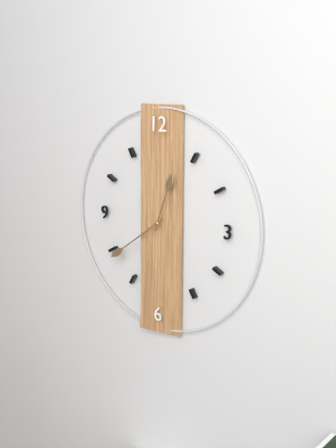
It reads 12:39
